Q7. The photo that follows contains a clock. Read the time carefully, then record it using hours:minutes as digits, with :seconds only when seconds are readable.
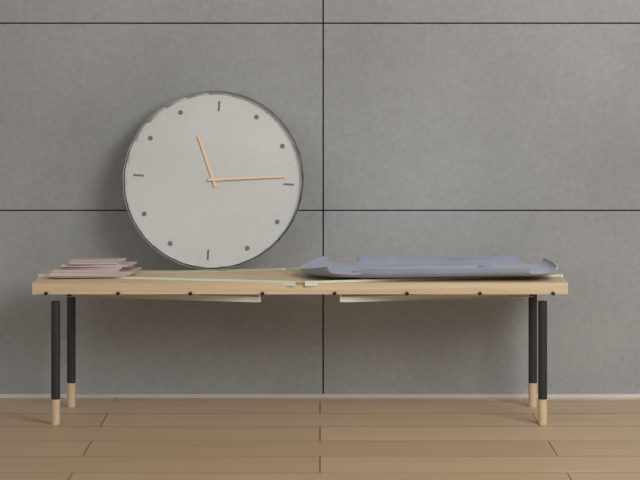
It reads 11:14
